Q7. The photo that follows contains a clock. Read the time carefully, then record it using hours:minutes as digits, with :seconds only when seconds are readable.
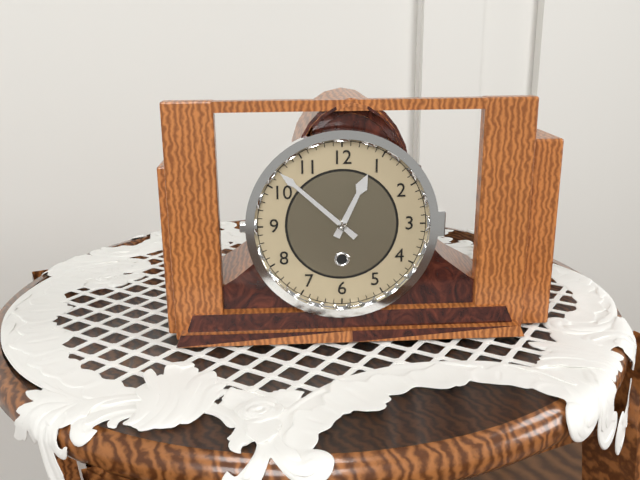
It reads 12:52
